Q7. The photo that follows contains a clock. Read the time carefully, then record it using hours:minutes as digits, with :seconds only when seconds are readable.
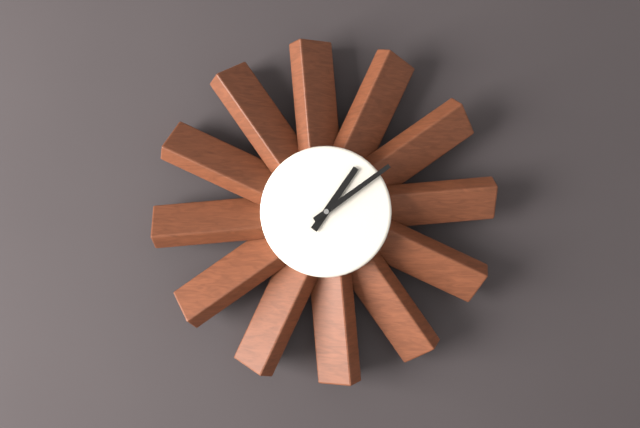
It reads 1:09
